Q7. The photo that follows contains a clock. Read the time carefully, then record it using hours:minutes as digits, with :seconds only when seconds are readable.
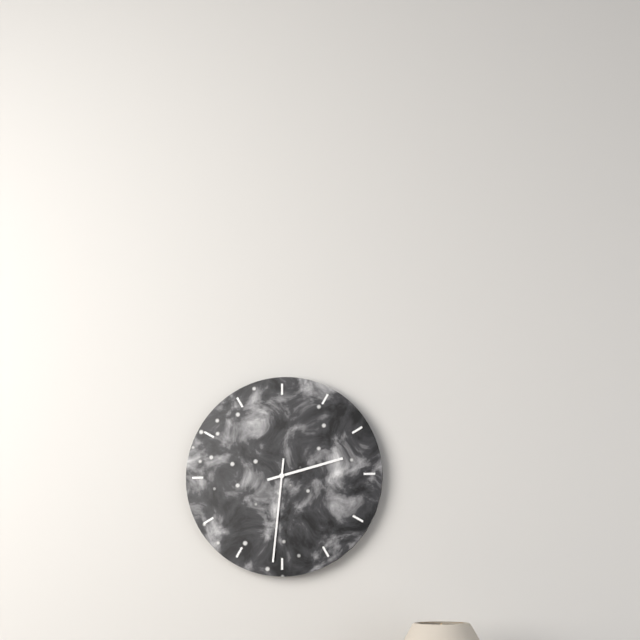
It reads 2:31
